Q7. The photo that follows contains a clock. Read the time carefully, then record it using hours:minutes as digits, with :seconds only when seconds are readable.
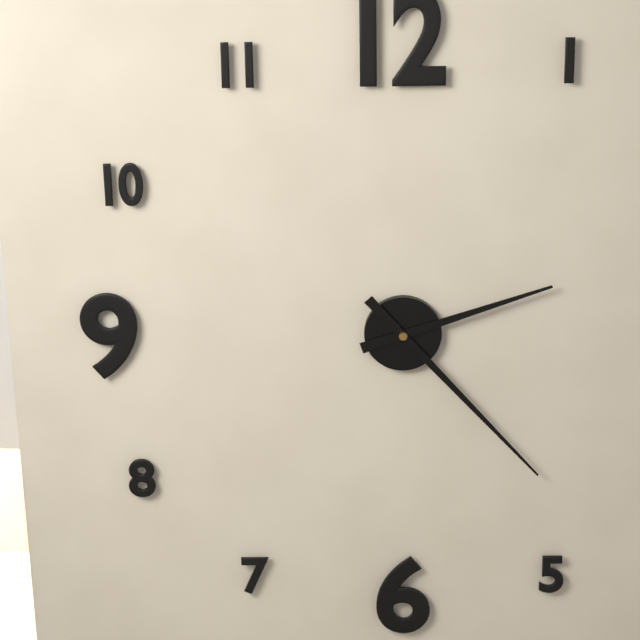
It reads 2:23
